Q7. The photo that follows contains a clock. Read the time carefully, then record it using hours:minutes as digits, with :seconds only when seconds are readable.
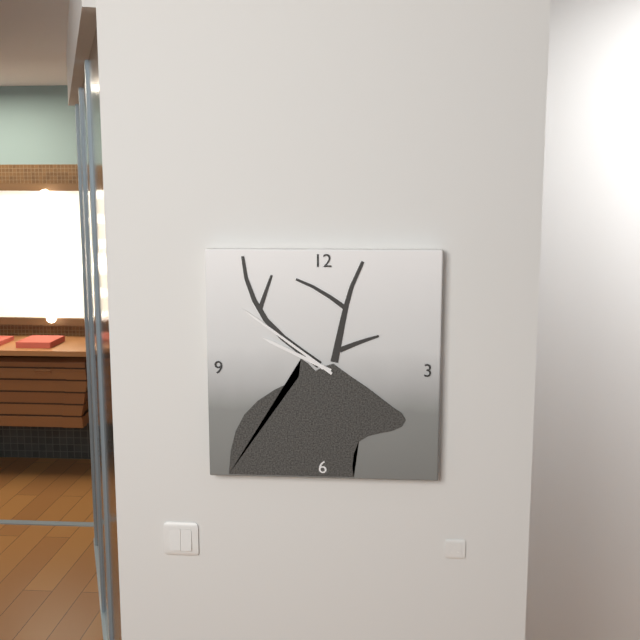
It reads 9:51
